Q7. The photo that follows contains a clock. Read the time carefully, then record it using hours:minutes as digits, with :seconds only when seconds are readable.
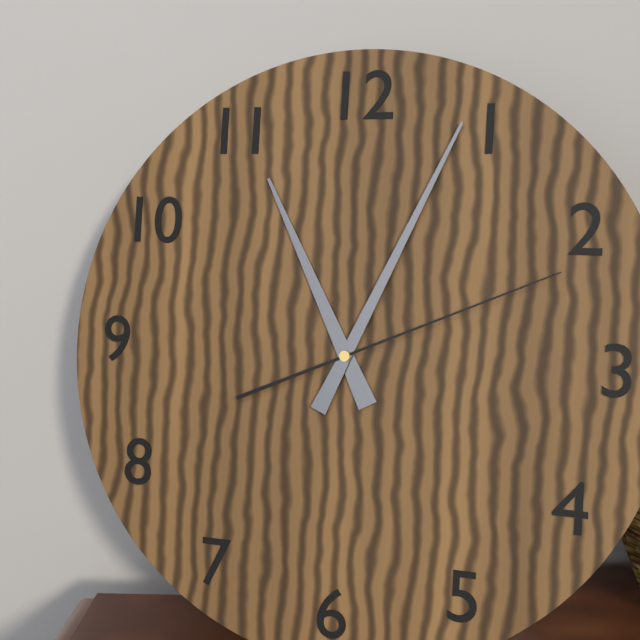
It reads 11:04:11
